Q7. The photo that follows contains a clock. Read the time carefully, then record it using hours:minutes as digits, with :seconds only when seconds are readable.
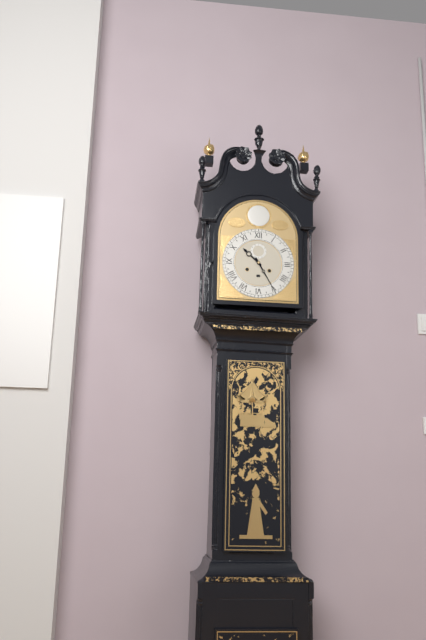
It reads 10:25
